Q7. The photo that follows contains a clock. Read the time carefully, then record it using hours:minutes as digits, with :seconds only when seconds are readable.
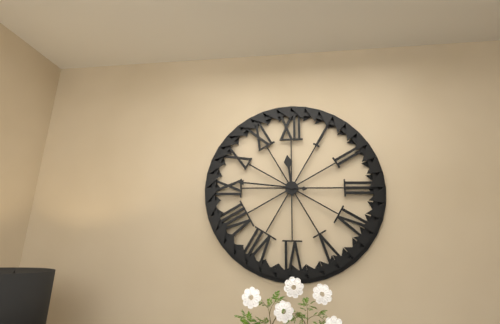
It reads 11:46
